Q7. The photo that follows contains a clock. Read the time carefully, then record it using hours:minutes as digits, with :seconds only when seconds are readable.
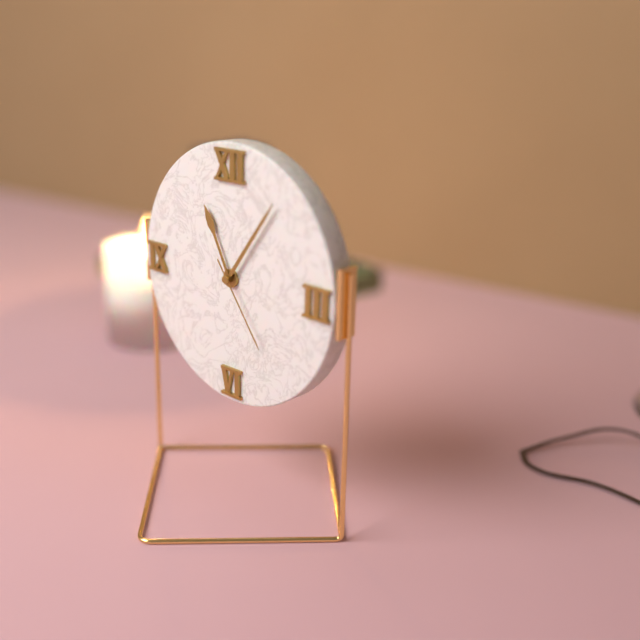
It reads 11:06:24
